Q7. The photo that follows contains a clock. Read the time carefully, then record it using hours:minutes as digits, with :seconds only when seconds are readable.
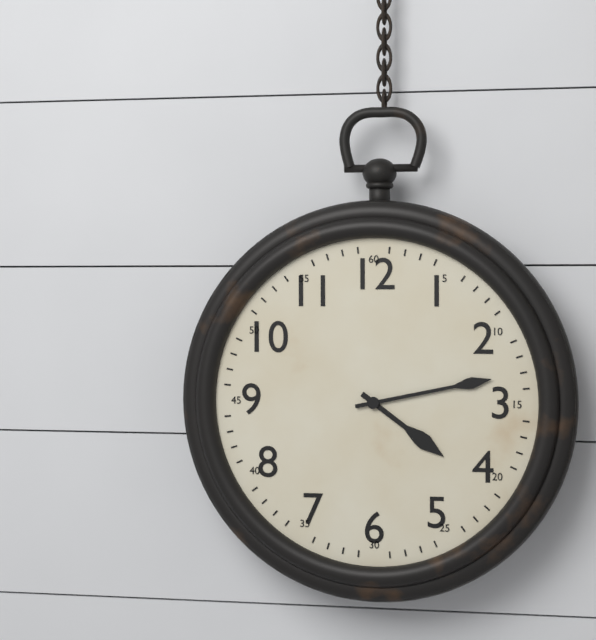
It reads 4:13
